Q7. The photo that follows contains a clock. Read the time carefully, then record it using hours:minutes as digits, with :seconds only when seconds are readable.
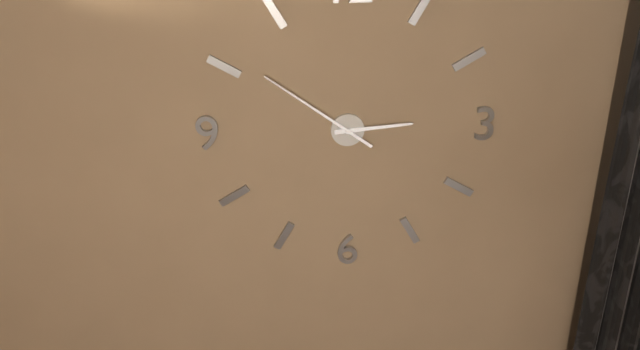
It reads 2:51
